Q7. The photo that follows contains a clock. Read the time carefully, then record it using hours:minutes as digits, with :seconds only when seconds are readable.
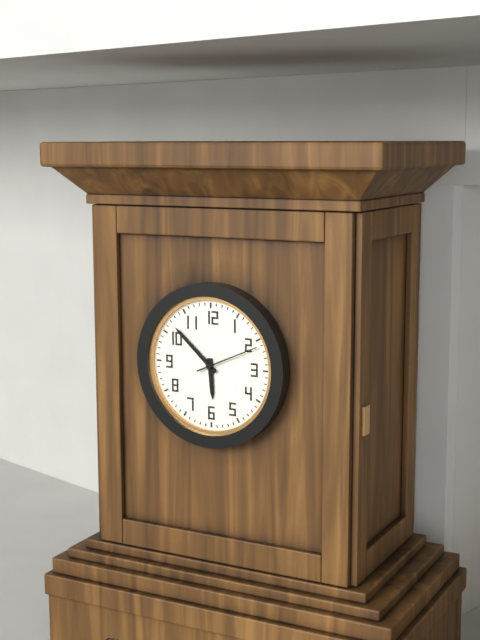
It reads 5:52
